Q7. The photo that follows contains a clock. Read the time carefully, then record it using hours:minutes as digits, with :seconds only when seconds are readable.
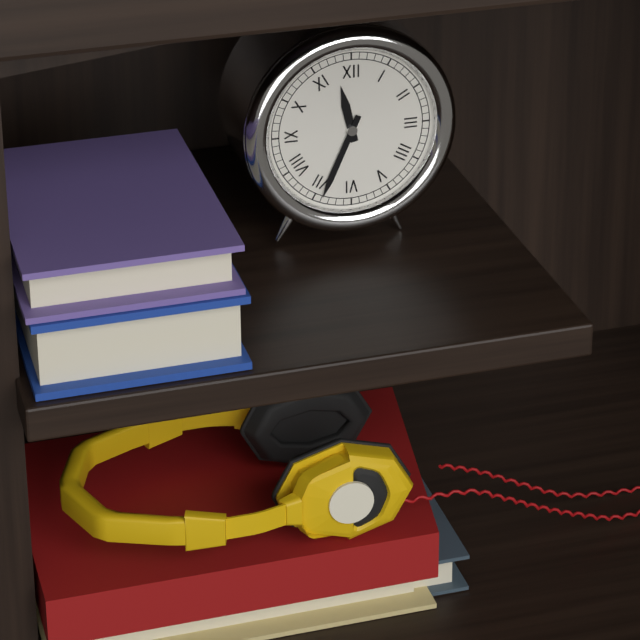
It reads 11:34
